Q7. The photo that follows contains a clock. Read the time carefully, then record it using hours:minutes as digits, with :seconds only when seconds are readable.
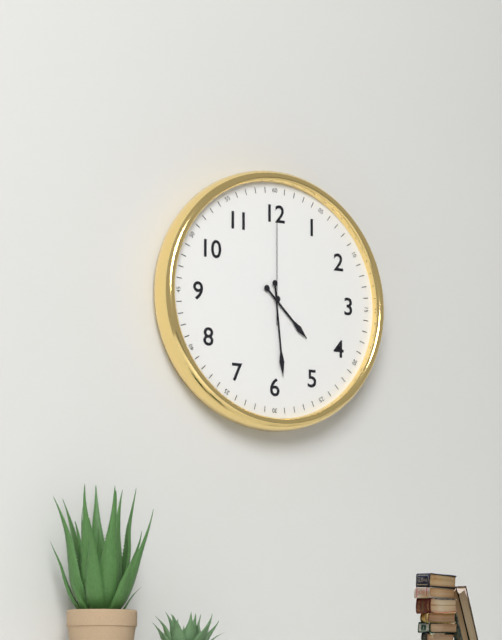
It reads 4:29:00
